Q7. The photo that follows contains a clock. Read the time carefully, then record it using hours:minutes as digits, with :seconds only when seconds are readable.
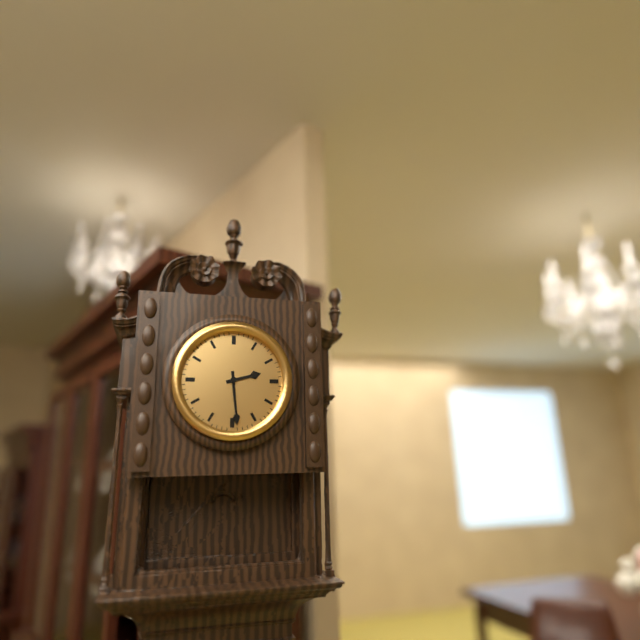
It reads 2:29
